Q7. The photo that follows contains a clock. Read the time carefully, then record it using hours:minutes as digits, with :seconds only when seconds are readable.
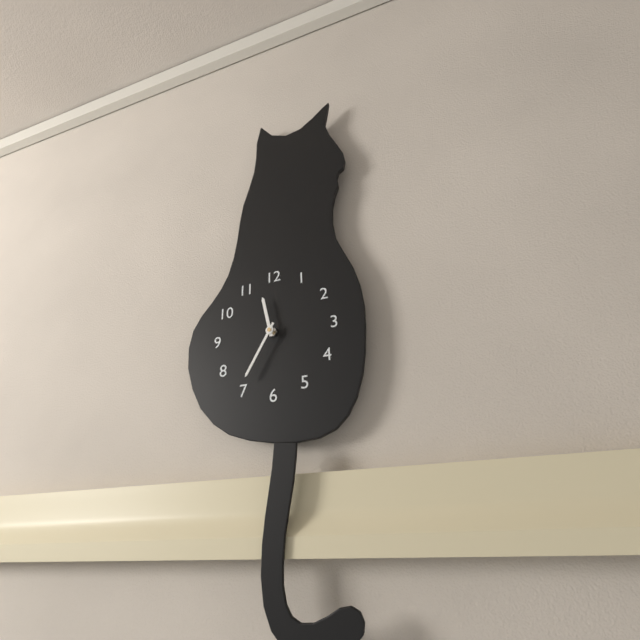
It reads 11:35
